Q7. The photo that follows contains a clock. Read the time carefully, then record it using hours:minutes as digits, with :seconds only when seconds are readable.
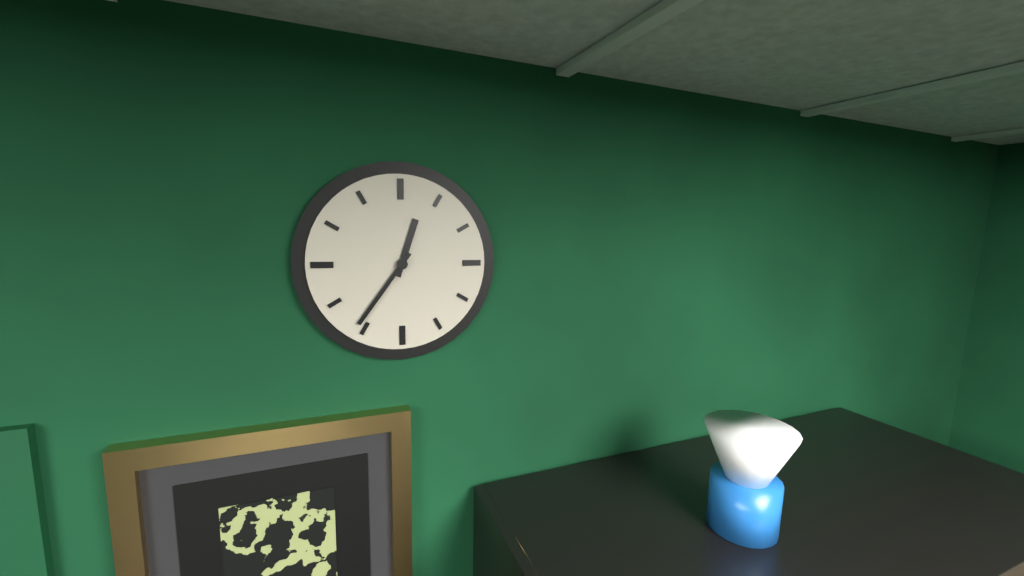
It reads 12:36
